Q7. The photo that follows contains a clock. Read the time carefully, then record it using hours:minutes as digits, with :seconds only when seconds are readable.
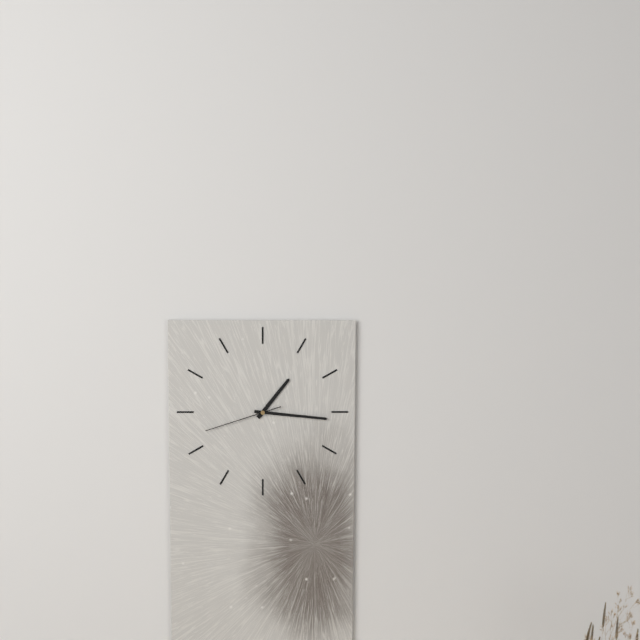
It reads 1:16:42
